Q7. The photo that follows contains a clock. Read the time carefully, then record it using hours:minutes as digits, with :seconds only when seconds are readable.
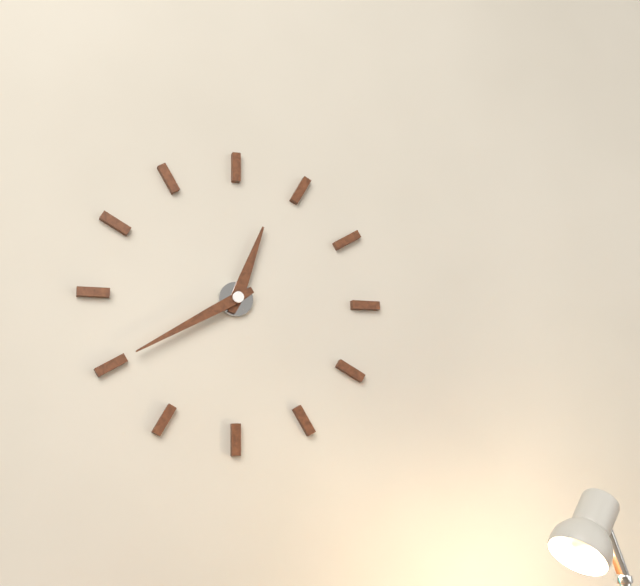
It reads 12:40
